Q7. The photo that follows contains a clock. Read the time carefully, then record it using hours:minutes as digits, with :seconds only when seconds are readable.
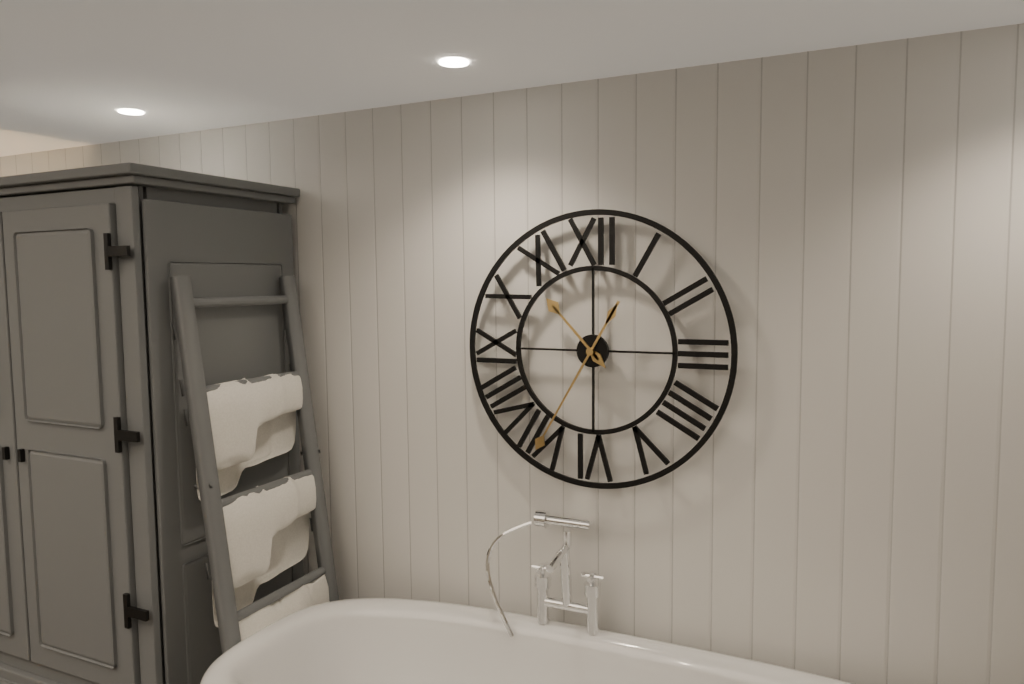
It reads 10:35
